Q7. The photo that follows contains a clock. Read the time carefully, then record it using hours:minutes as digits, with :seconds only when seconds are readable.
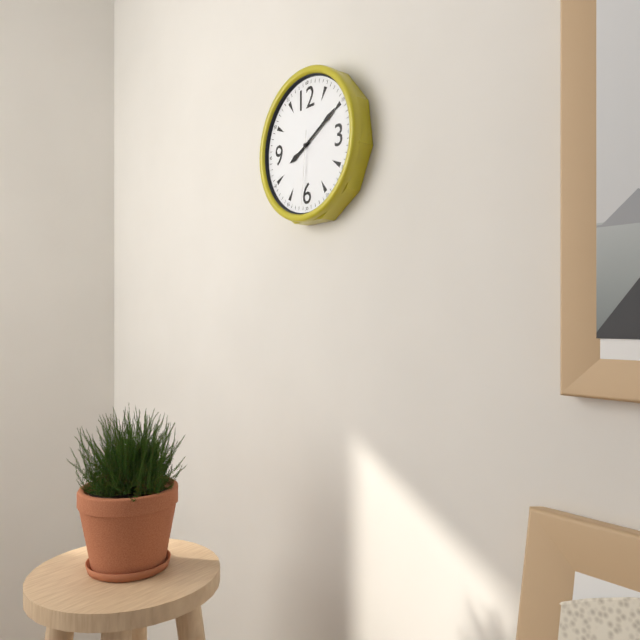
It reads 8:10:31
